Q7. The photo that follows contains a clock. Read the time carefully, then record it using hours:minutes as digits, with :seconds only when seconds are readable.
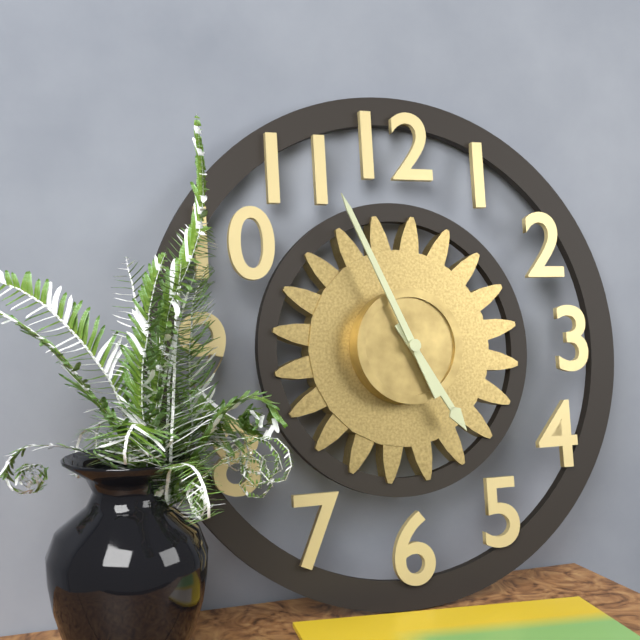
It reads 4:56
